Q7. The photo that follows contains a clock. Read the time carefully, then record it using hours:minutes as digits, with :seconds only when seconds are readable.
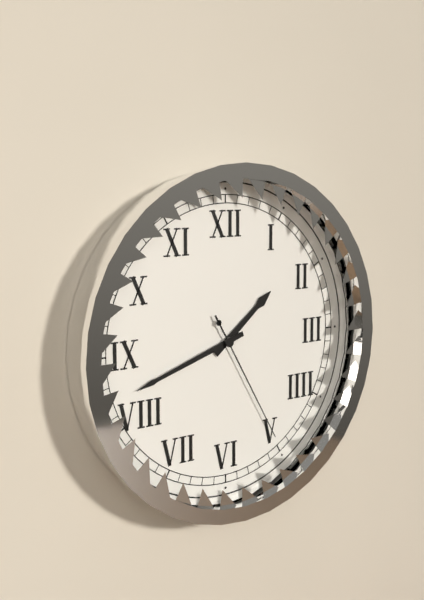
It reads 1:42:25
